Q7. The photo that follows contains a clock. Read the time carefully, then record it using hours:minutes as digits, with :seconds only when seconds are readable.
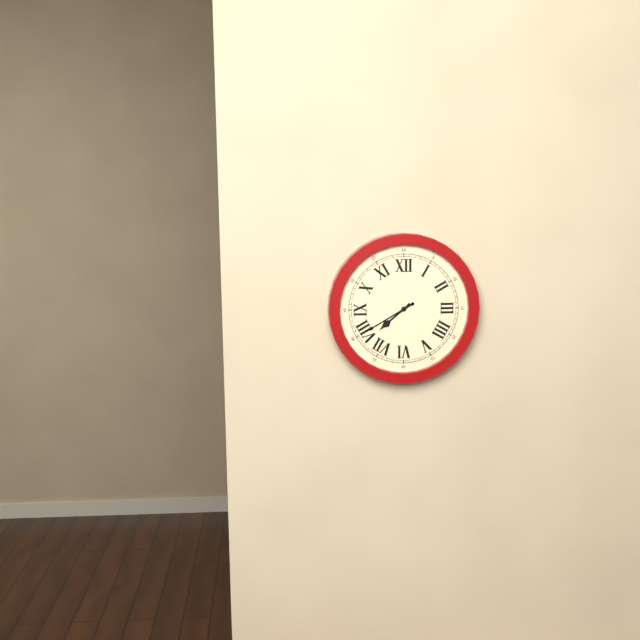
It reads 7:40
